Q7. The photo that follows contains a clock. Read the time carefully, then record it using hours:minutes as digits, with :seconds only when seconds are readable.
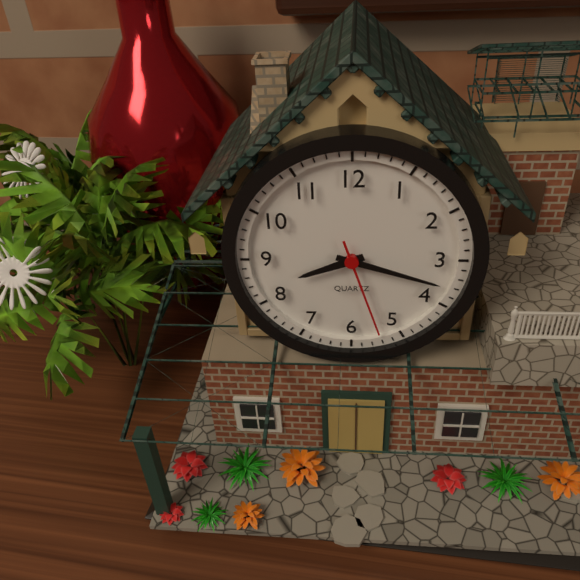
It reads 8:18:27
